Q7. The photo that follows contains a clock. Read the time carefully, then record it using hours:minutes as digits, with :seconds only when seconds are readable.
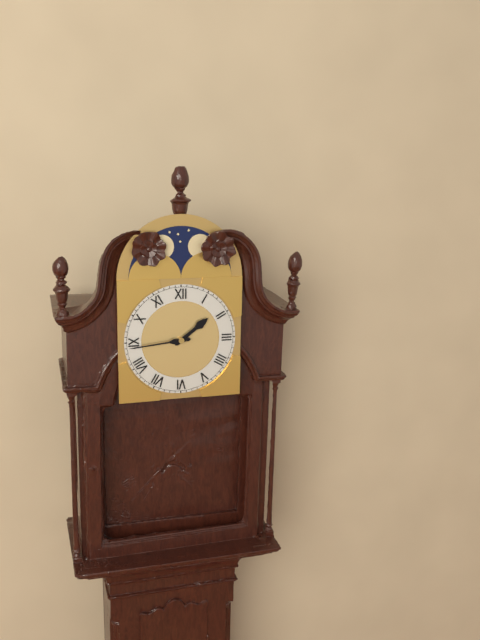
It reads 1:44
